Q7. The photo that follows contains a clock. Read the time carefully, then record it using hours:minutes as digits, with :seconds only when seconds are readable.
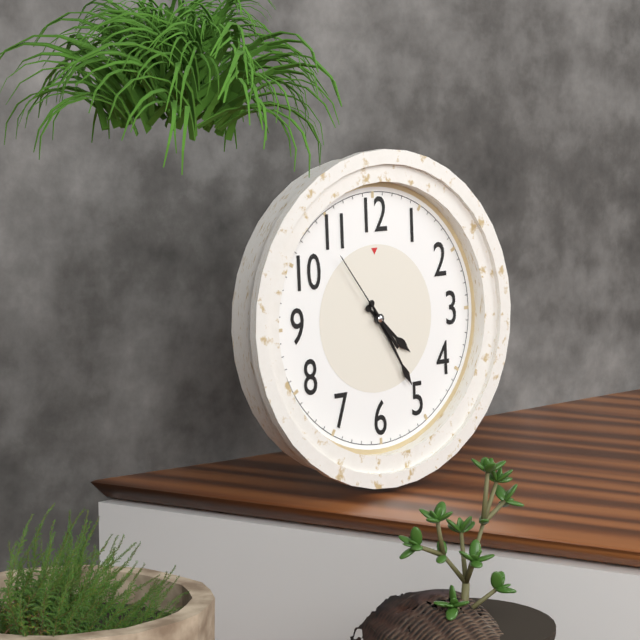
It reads 4:25:54
